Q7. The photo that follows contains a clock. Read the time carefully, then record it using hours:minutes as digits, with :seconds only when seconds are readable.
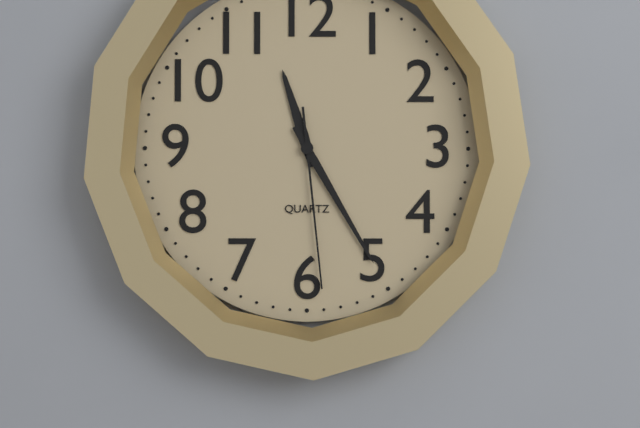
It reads 11:25:29
